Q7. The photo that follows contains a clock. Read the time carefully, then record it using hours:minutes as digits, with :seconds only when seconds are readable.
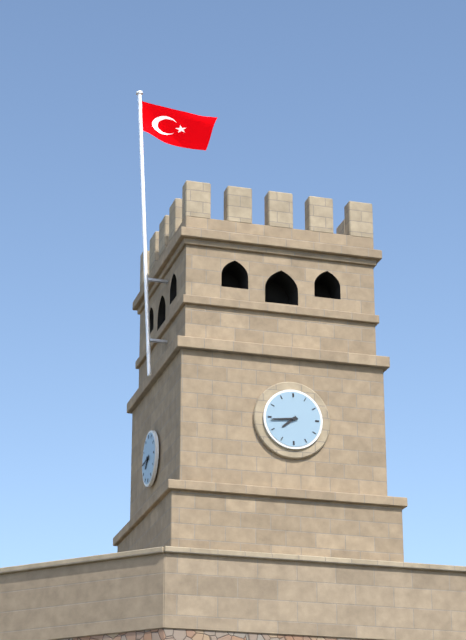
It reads 7:44
